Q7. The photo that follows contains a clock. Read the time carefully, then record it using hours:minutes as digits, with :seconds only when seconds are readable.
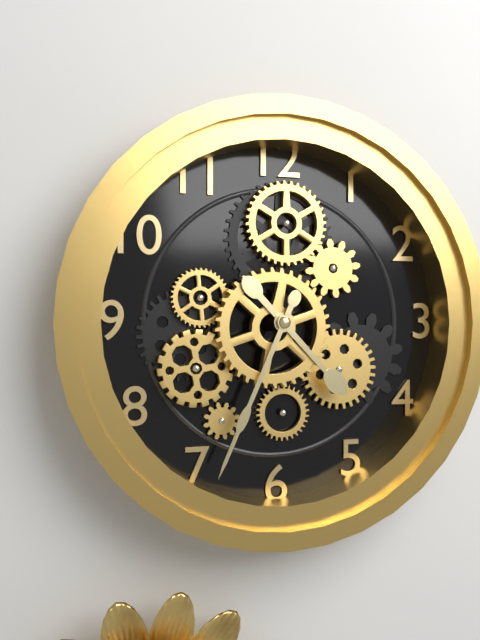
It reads 4:34
